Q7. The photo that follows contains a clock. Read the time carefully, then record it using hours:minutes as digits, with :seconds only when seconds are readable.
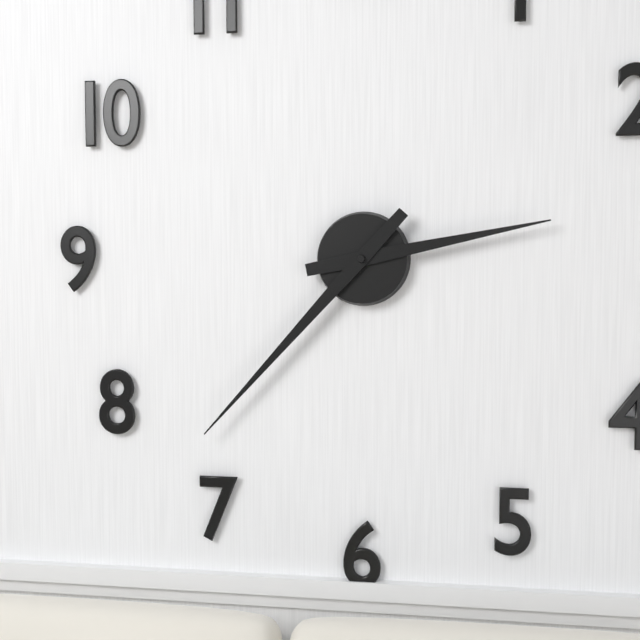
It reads 2:37
